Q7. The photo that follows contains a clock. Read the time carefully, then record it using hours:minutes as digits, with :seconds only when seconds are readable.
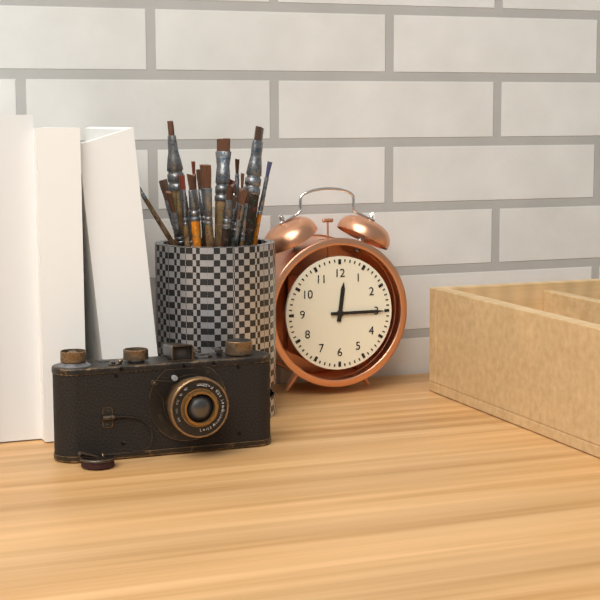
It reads 12:15
